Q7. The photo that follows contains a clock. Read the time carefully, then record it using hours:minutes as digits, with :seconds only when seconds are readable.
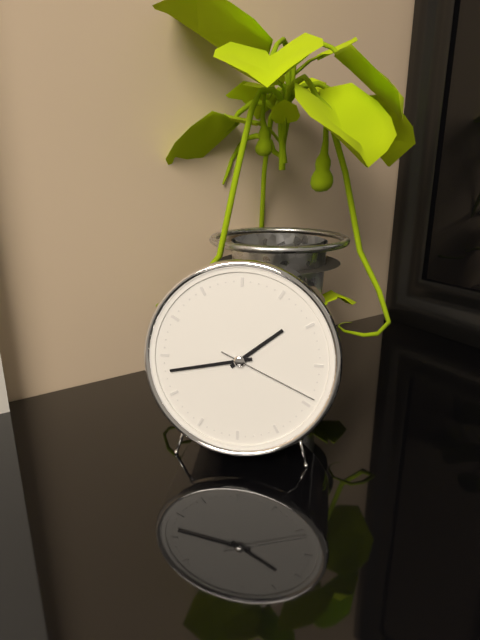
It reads 1:43:19
